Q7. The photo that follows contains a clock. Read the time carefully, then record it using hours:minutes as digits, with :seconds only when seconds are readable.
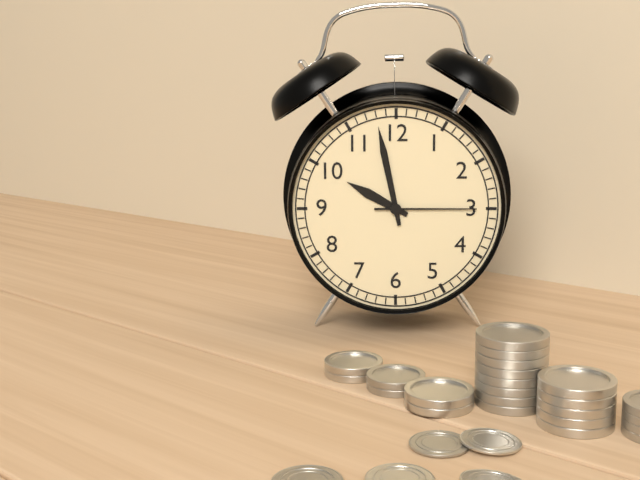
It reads 9:58:15
